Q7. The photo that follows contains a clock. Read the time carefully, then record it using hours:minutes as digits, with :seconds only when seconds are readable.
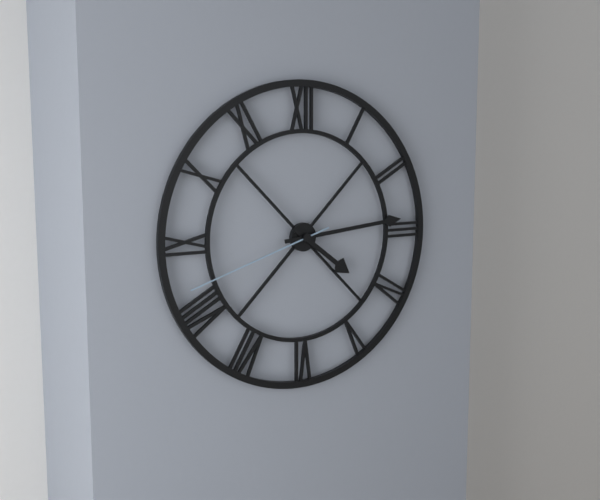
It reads 4:14:42
